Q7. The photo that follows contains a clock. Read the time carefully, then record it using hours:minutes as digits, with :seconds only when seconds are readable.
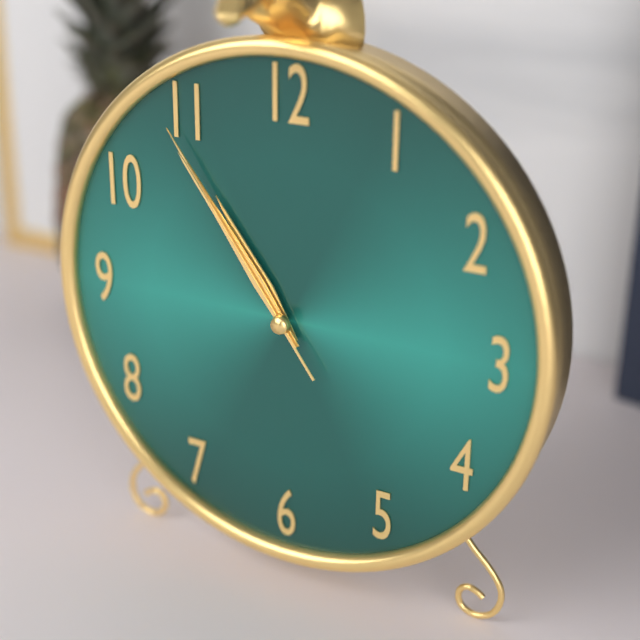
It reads 10:54:54
